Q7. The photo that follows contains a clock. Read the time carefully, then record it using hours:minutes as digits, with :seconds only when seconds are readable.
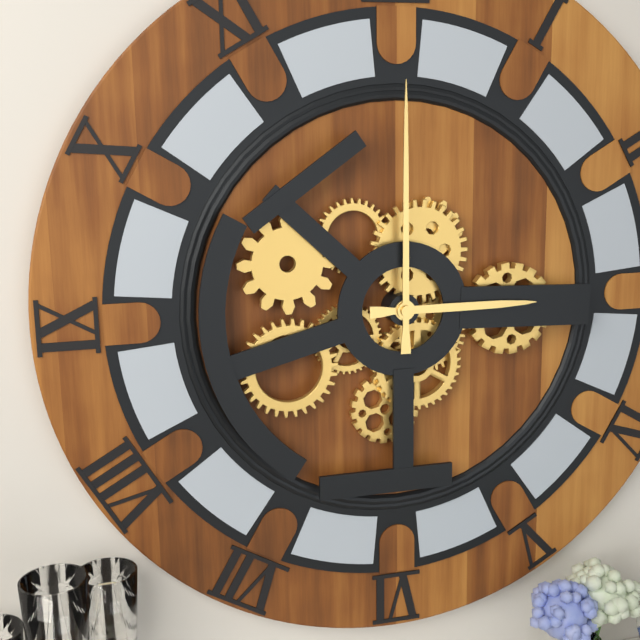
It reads 3:00
